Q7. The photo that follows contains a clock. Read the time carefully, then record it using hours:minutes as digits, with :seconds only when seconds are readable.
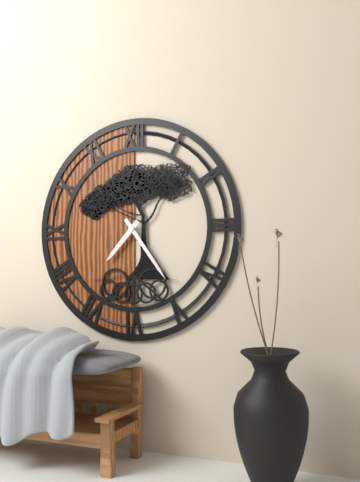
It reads 7:24
